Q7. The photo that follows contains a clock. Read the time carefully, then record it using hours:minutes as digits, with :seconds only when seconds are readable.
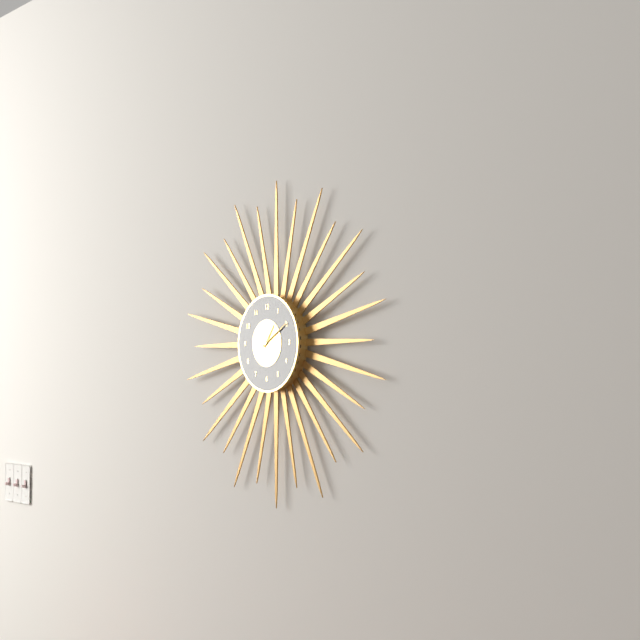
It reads 1:10
